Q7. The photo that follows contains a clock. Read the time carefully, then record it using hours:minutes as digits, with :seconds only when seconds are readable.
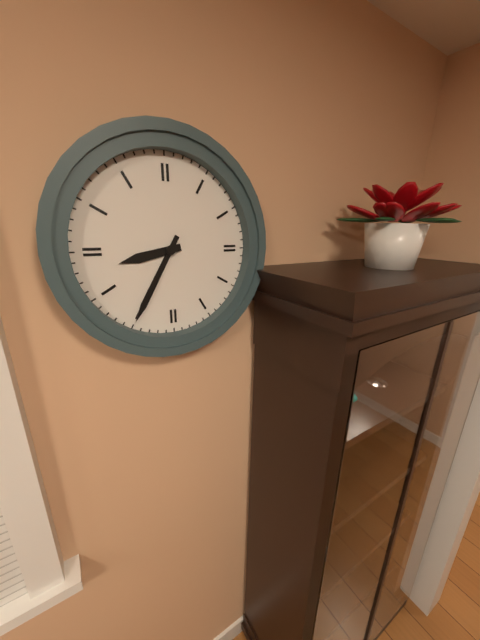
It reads 8:35
